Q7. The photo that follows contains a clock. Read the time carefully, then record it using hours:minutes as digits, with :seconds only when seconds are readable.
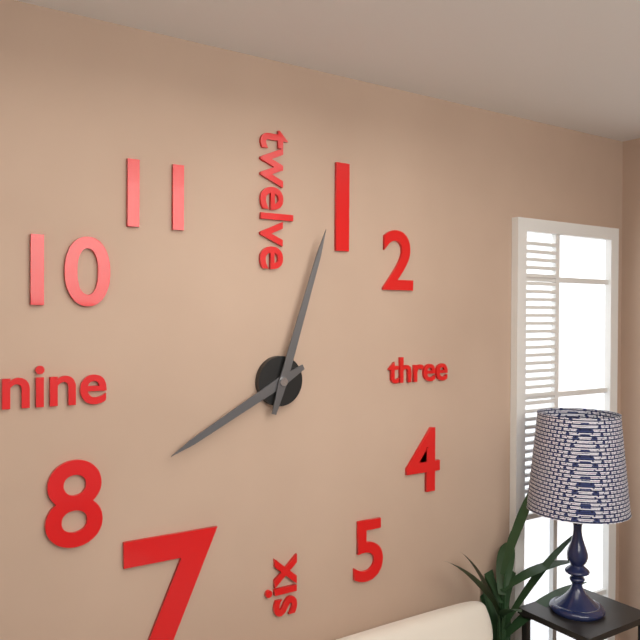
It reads 8:03
